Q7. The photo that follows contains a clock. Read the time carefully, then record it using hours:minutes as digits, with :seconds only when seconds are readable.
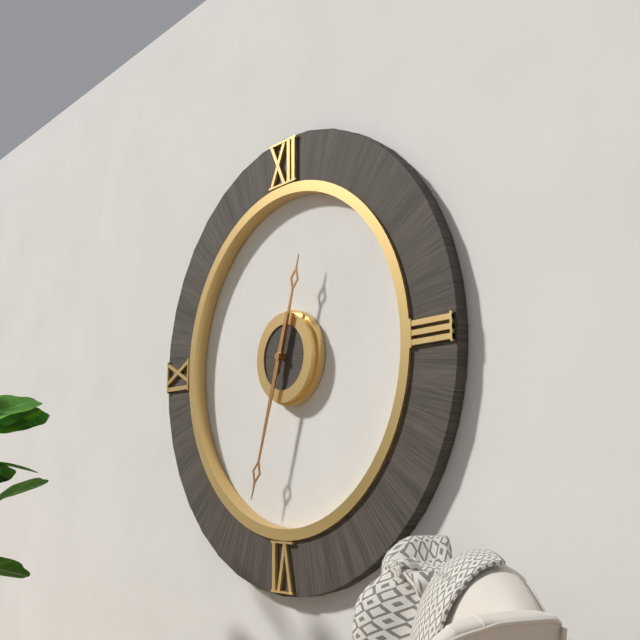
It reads 12:33
